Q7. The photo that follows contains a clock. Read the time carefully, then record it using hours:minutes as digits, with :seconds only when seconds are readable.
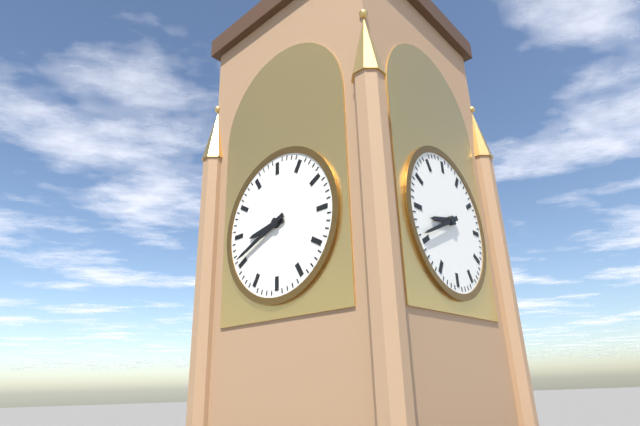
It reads 8:41
